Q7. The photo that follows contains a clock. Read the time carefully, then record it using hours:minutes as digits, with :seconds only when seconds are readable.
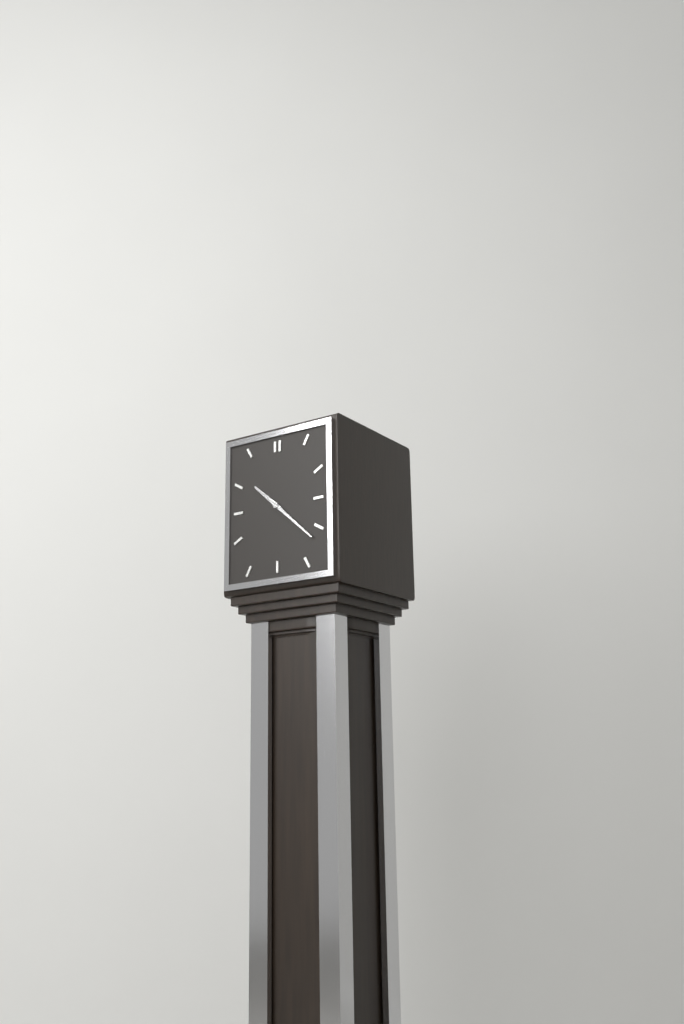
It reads 10:22
